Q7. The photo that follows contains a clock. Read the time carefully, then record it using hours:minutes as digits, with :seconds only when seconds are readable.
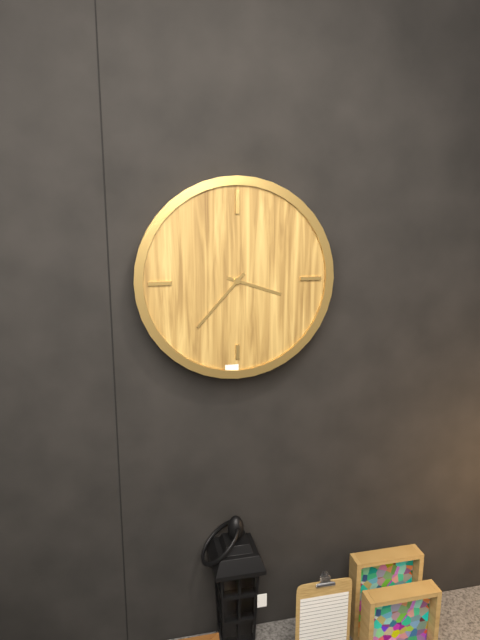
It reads 3:37
